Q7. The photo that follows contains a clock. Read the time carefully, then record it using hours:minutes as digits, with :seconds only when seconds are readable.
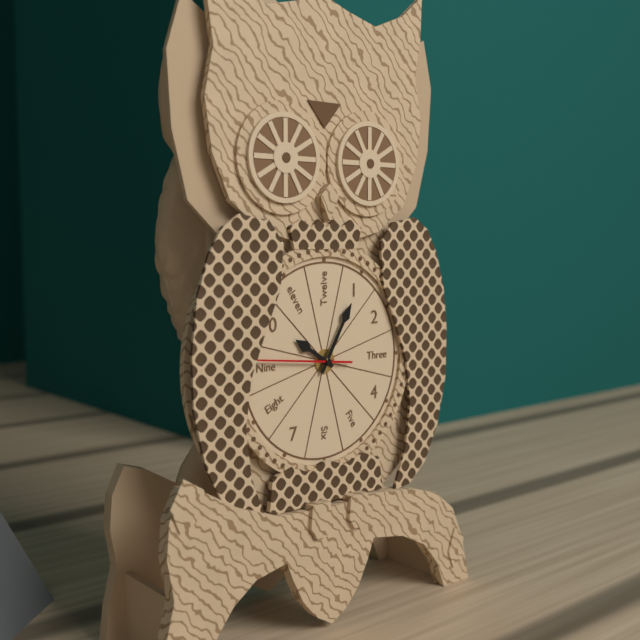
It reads 10:05:46
